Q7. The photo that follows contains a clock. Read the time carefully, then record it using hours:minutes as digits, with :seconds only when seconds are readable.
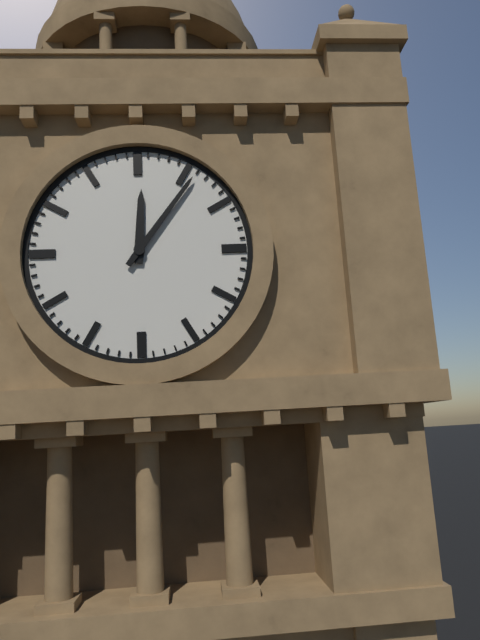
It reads 12:06
